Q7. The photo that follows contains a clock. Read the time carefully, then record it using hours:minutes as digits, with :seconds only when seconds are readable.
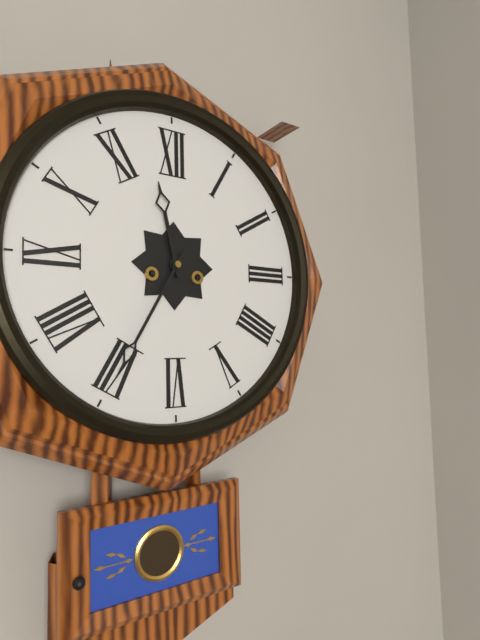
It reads 11:35
